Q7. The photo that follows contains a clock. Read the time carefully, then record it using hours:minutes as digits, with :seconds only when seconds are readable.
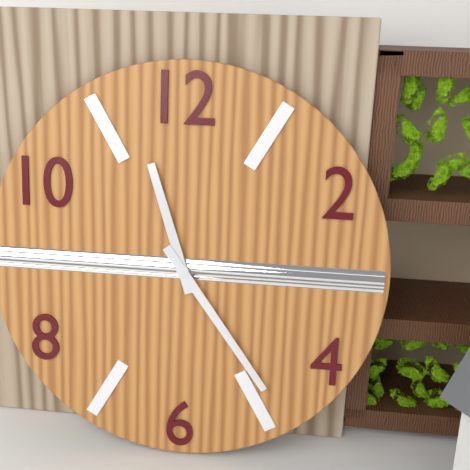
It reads 11:24
